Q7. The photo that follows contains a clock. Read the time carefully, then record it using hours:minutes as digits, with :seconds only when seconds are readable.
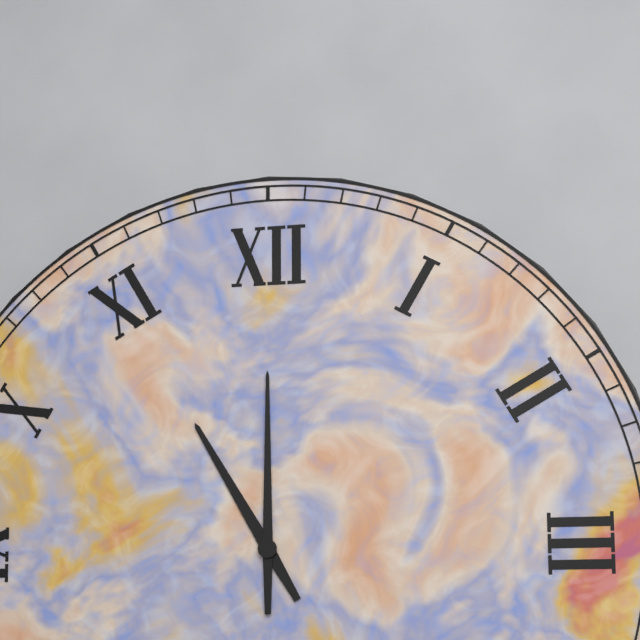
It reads 11:00
